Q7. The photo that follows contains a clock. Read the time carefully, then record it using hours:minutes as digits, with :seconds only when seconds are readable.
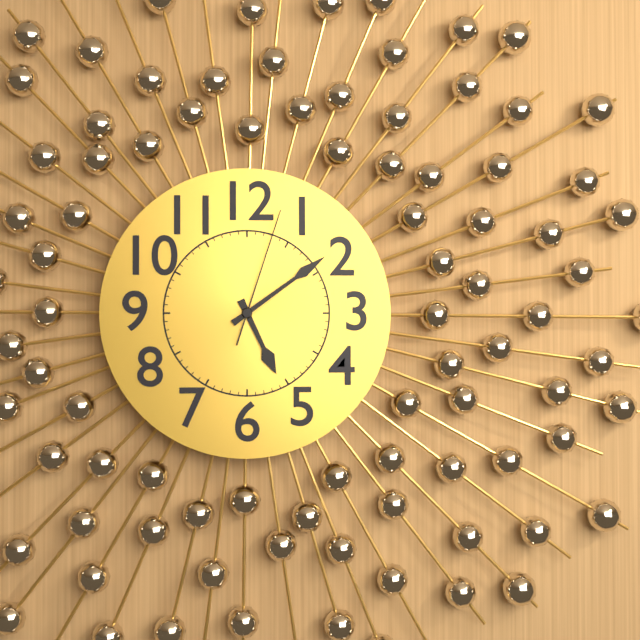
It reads 5:09:03
